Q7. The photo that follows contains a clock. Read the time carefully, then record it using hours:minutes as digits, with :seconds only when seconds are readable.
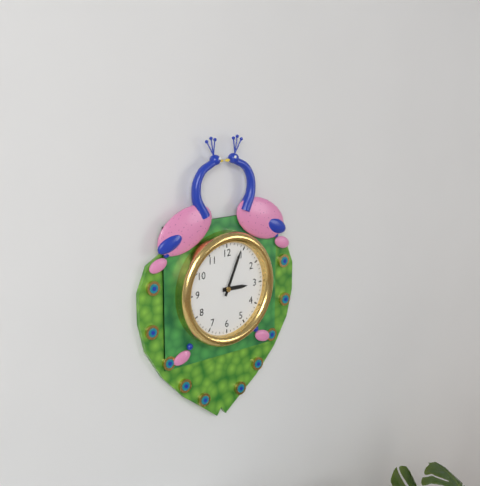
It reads 3:04
